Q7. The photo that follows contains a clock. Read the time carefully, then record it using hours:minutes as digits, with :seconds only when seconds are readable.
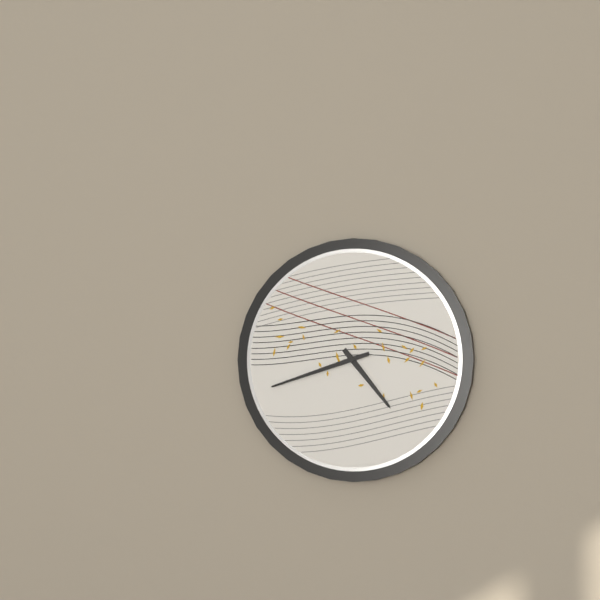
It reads 4:42
